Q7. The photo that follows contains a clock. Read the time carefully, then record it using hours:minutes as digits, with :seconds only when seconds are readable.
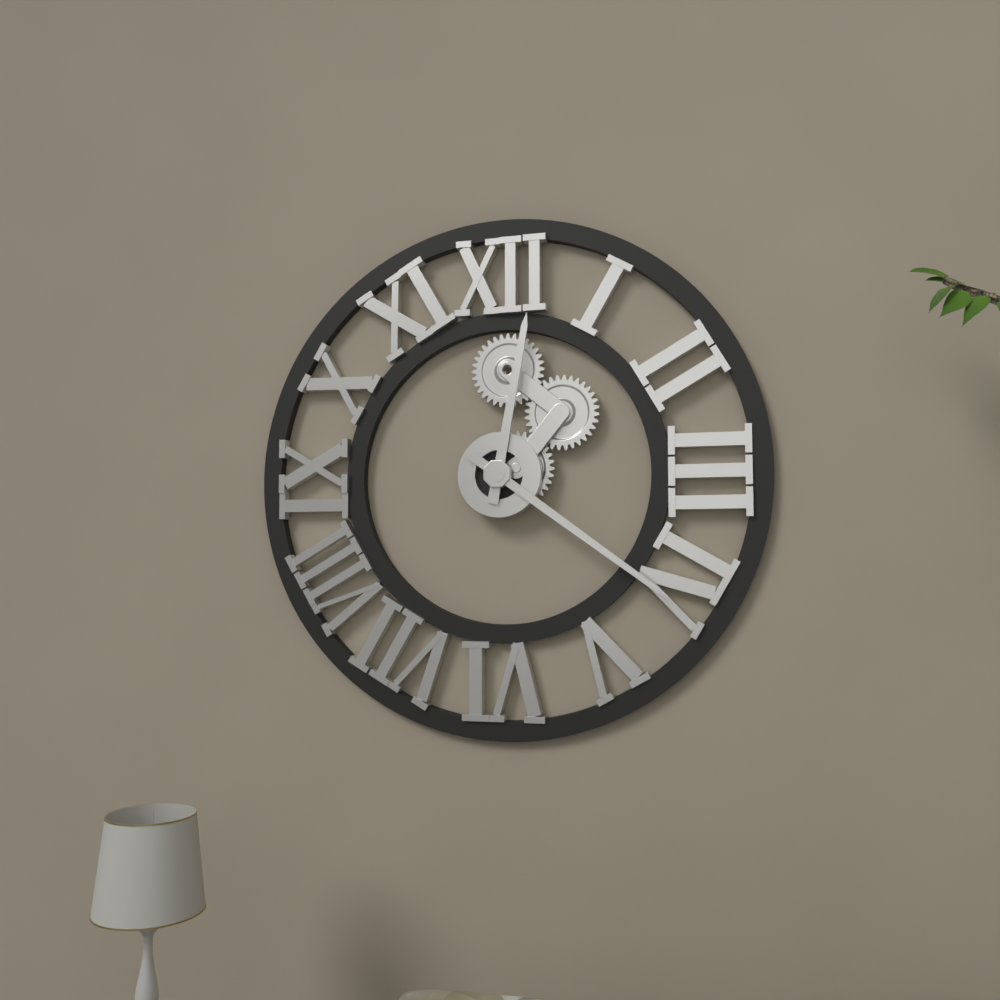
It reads 12:21
